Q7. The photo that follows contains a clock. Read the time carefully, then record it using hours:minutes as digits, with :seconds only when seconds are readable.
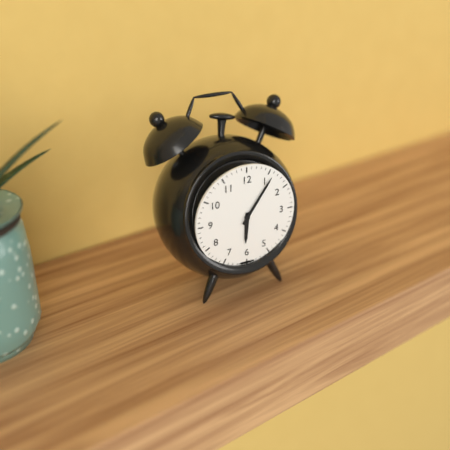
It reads 6:06
